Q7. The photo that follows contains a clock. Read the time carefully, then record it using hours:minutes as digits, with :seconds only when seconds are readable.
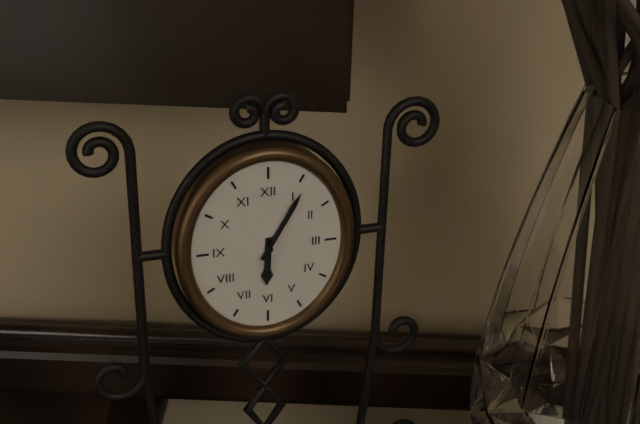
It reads 6:05
